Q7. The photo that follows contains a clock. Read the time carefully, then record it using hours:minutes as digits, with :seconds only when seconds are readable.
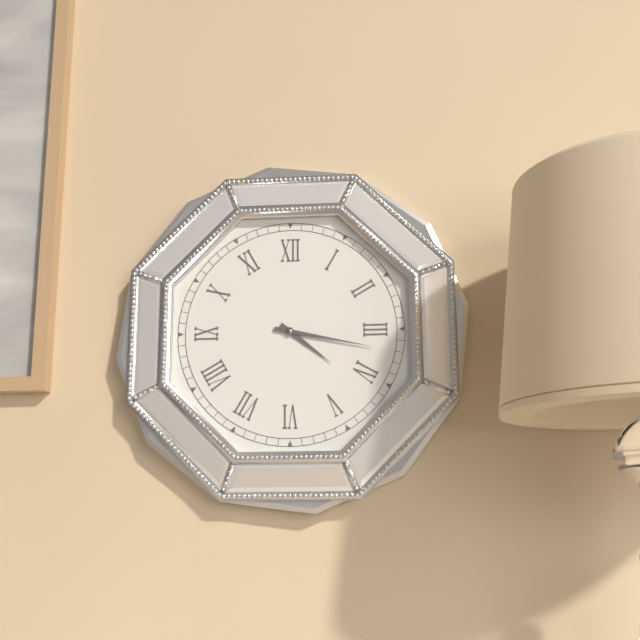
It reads 4:17
